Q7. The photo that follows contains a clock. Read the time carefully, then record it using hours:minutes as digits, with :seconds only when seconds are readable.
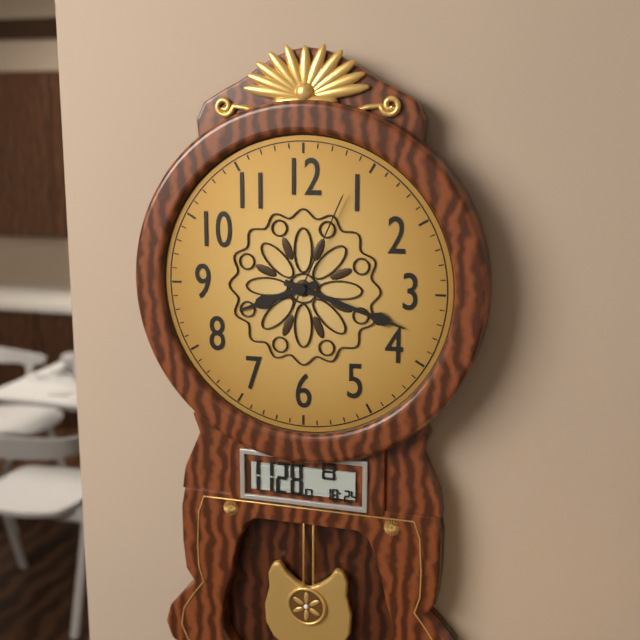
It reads 8:18:04
